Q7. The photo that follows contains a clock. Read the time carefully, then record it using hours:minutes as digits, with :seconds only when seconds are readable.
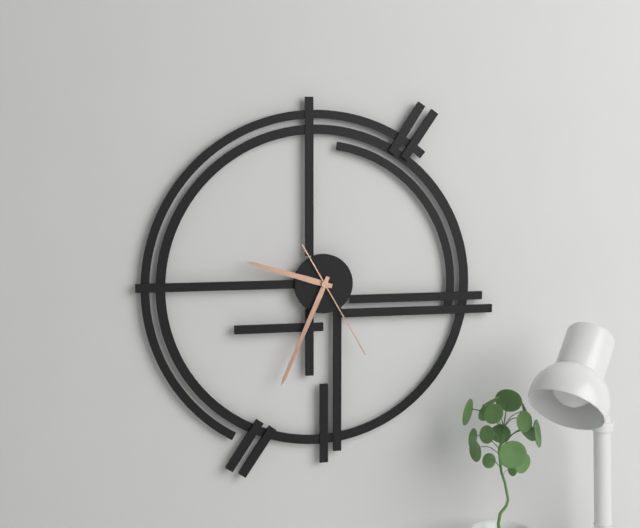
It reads 9:34:25
